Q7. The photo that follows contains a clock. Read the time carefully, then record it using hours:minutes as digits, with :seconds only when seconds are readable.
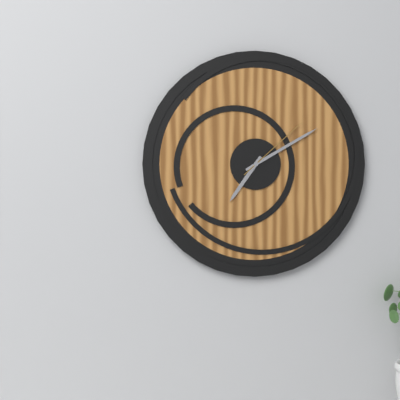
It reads 7:10:08
